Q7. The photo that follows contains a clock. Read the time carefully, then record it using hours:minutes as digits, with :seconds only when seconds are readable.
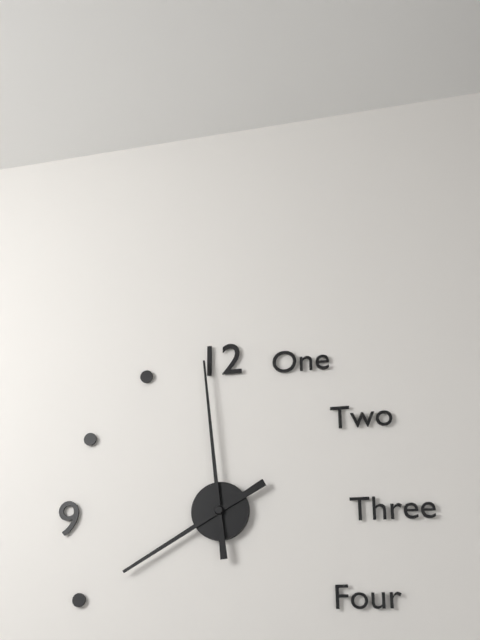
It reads 7:59
